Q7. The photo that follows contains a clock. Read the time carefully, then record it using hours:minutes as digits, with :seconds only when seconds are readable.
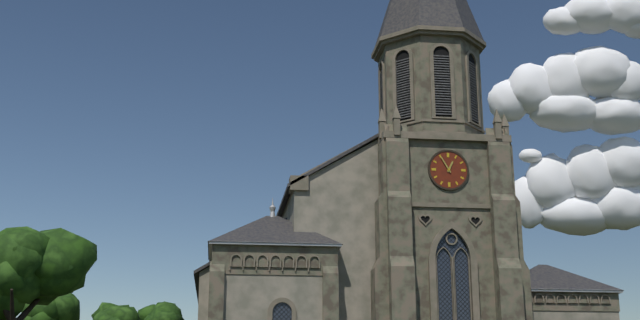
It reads 12:55
